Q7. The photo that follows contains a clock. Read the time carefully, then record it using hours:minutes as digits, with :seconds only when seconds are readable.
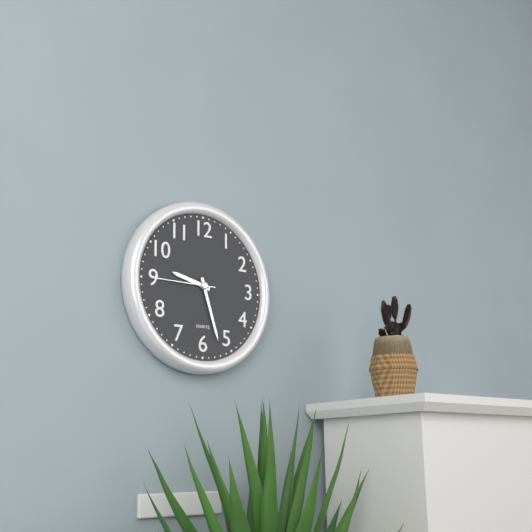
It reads 9:27:45
